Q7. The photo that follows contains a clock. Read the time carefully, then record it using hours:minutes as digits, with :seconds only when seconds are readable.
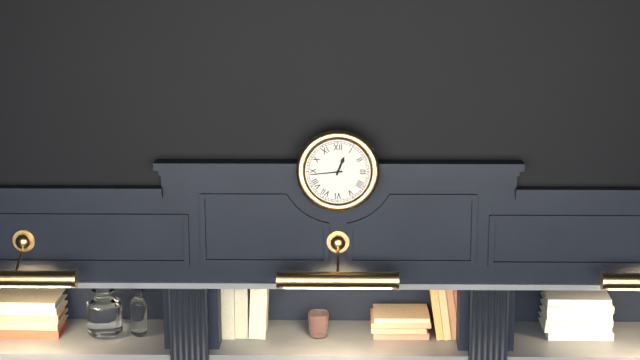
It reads 12:44
